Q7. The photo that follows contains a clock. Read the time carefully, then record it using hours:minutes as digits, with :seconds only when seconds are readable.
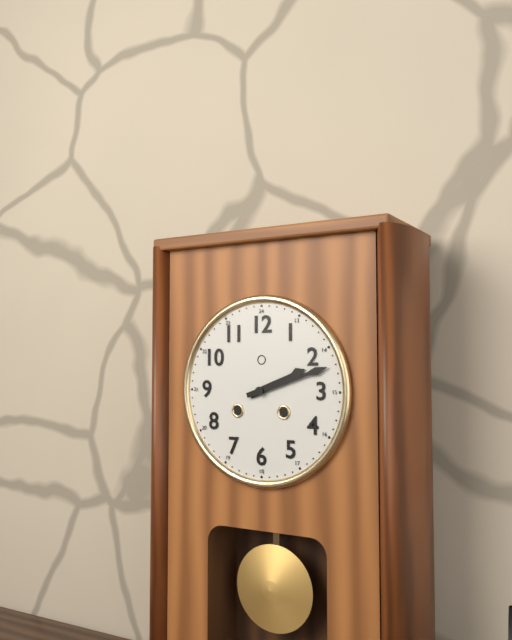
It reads 2:12
